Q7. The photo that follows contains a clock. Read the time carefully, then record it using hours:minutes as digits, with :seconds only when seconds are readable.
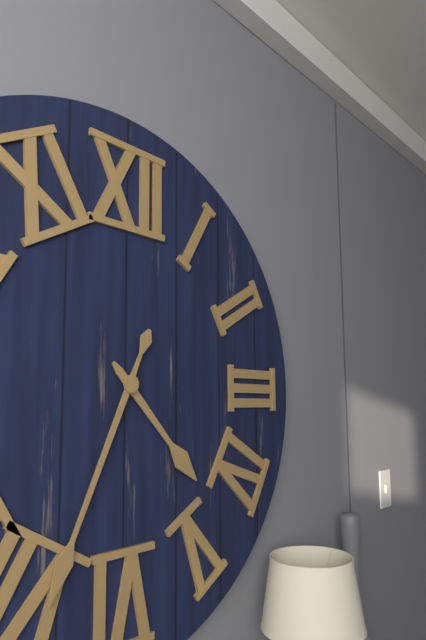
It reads 4:34
